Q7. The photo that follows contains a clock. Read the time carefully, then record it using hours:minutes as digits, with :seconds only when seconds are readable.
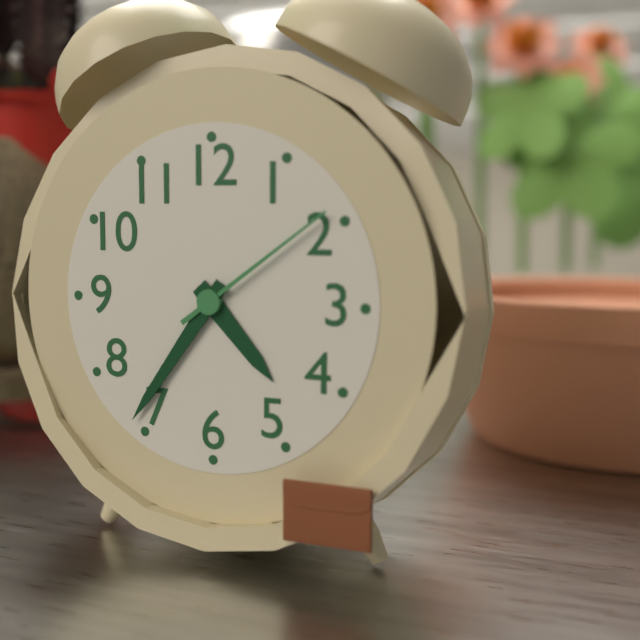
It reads 4:36:09
